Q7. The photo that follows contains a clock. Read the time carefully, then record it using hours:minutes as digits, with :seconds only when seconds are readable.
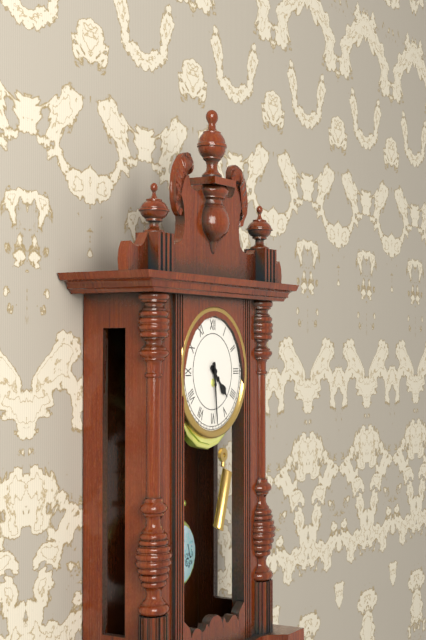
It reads 4:29
